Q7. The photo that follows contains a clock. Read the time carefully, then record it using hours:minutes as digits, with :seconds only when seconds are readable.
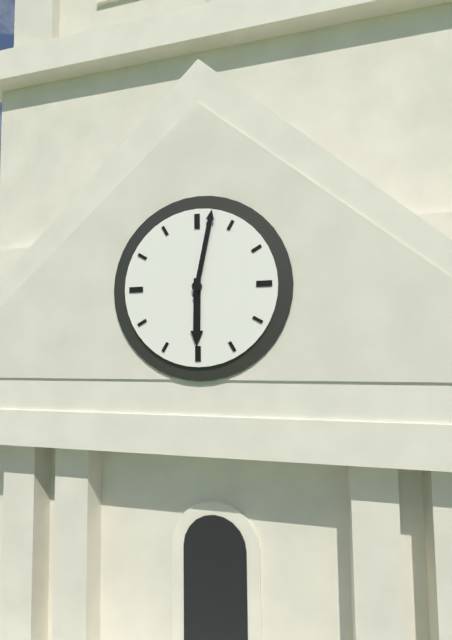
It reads 6:02
